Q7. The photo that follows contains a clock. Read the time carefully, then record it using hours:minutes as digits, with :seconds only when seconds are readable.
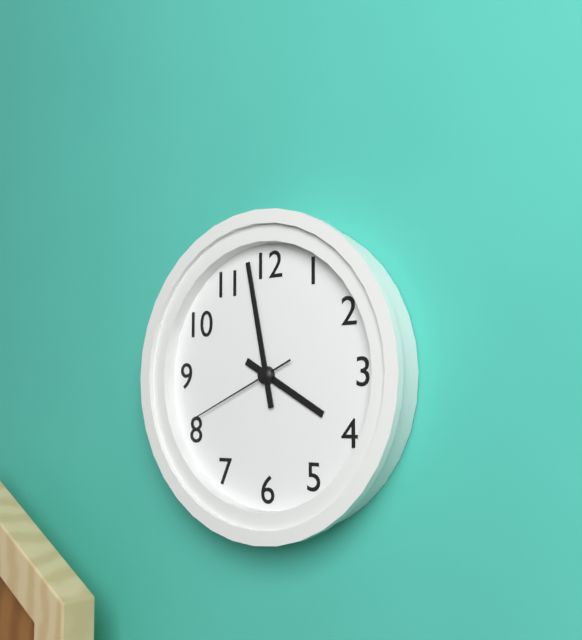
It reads 3:58:41
